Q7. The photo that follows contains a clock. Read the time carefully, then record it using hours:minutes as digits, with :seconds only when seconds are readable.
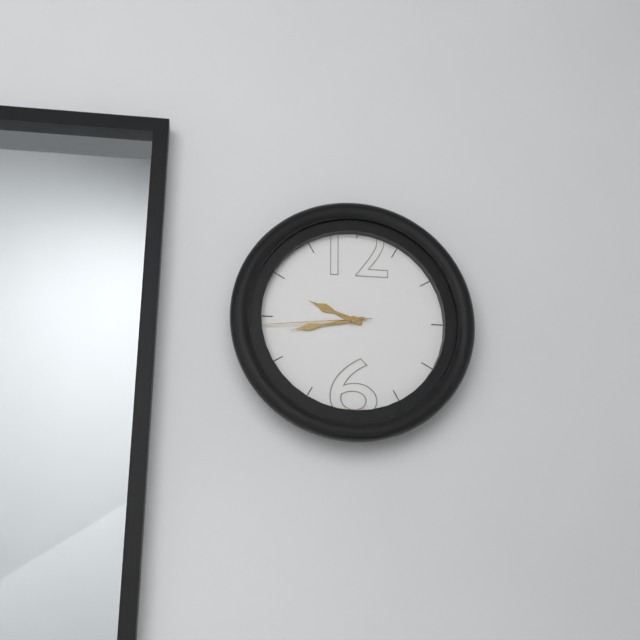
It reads 9:43:44
